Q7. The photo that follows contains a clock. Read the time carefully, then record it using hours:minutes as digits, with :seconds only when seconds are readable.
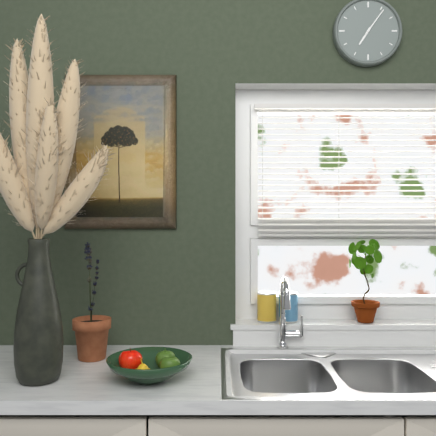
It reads 7:06
